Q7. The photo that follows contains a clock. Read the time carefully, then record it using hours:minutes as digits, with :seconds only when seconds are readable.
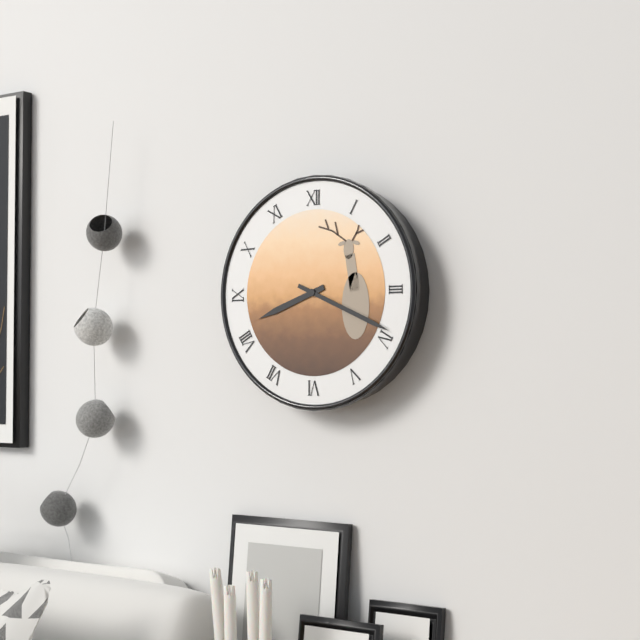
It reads 8:19
